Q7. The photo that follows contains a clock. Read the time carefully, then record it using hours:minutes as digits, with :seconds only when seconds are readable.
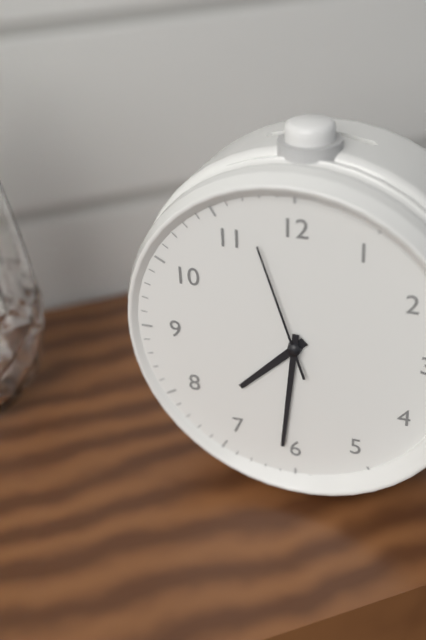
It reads 7:31:57
